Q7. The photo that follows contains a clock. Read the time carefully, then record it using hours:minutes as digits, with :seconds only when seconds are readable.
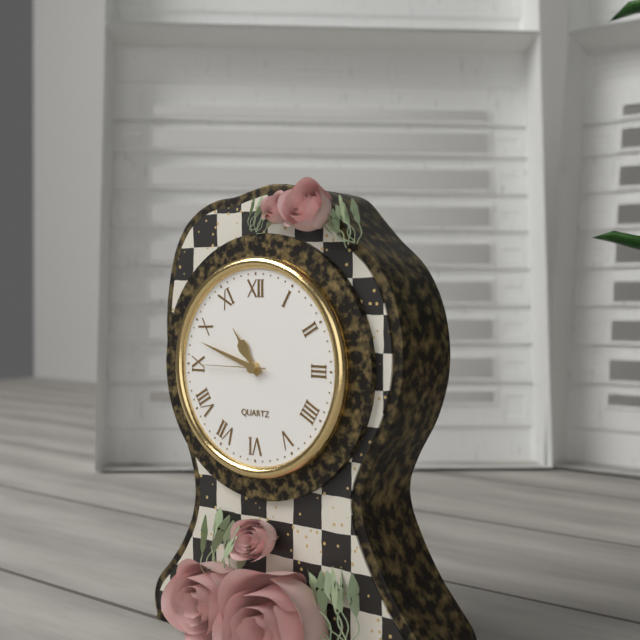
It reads 10:48:45
